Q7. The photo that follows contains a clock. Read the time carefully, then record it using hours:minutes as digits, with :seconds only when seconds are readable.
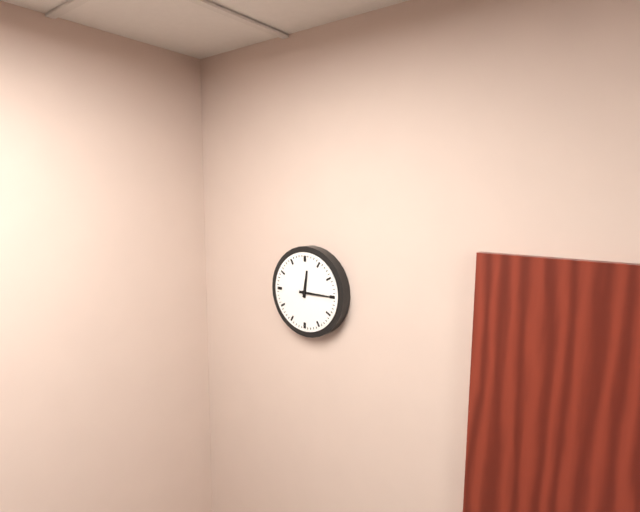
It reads 12:15
